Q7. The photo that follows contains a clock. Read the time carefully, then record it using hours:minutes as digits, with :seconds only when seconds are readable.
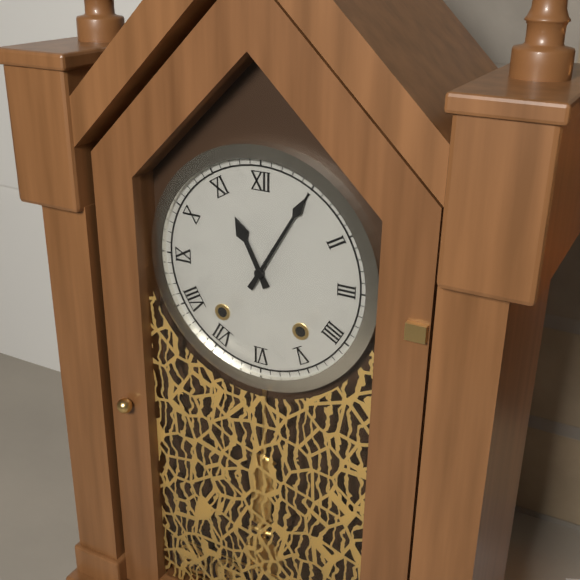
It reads 11:05
